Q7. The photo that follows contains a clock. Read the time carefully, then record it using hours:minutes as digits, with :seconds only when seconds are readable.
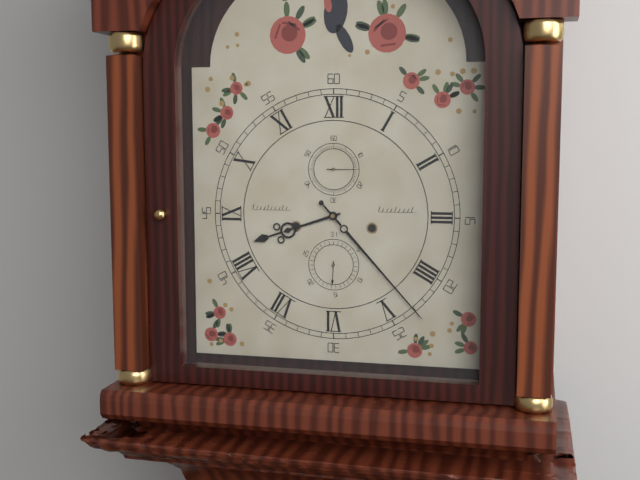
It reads 8:23
